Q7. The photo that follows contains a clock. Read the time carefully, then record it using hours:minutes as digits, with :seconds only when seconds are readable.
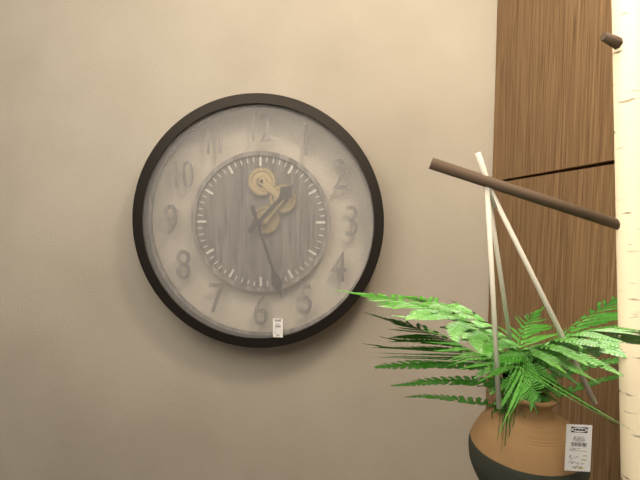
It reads 1:27
